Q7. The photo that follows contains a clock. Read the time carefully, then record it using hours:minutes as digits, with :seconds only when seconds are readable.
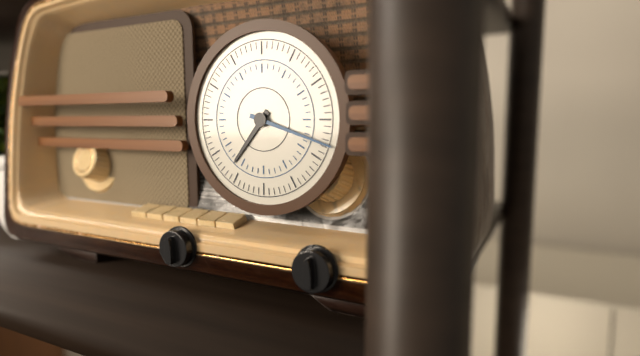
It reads 7:18
